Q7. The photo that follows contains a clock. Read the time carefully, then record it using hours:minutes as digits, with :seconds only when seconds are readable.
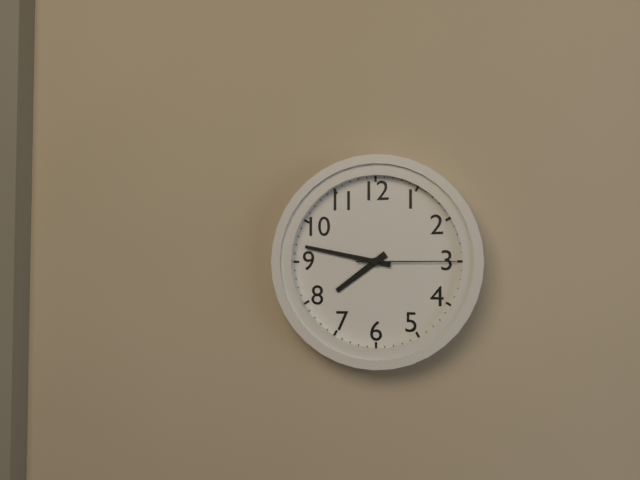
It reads 7:47:15
